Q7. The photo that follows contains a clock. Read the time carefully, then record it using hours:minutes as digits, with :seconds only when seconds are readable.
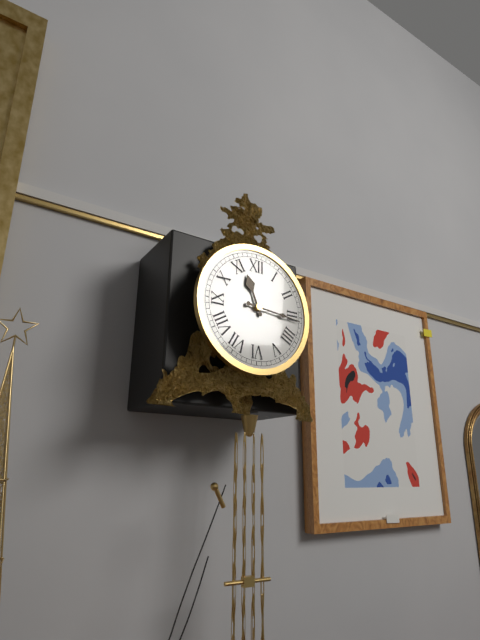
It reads 11:16
